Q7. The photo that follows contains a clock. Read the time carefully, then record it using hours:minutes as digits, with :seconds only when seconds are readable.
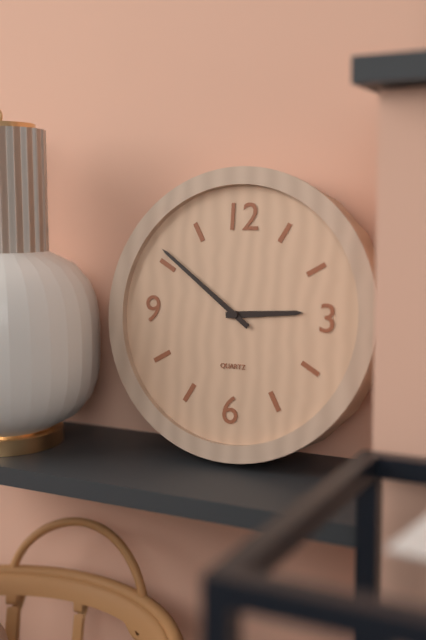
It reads 2:51
